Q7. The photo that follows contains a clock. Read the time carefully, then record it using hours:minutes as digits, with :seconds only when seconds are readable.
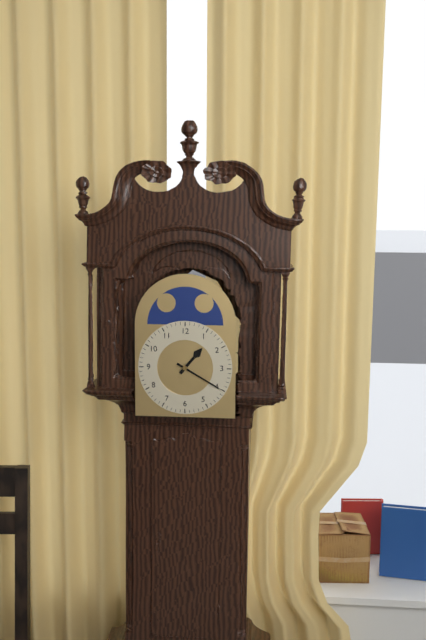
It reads 1:20
